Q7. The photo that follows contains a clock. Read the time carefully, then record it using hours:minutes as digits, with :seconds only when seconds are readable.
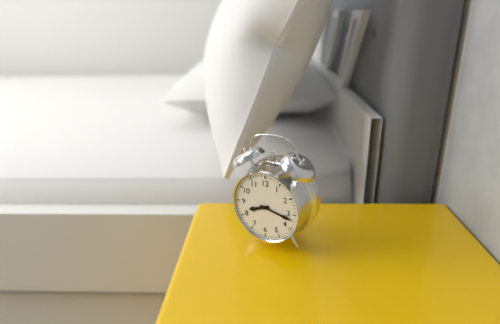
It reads 8:17
